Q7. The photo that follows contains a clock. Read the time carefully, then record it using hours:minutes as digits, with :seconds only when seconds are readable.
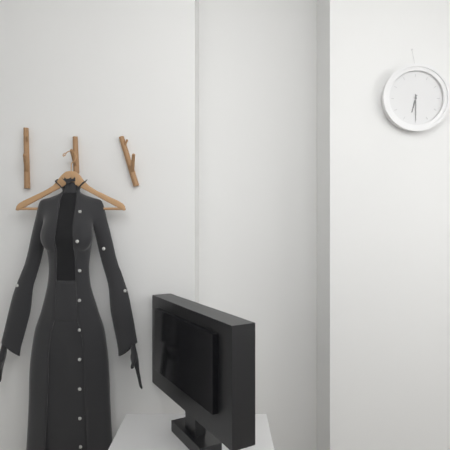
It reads 6:30
